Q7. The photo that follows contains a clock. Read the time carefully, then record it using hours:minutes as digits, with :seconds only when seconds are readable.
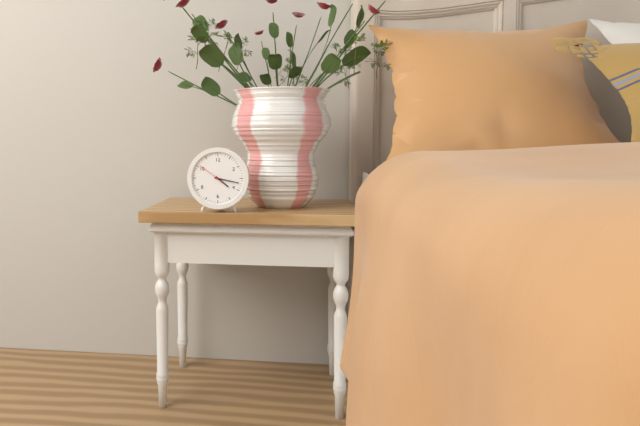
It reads 4:17
